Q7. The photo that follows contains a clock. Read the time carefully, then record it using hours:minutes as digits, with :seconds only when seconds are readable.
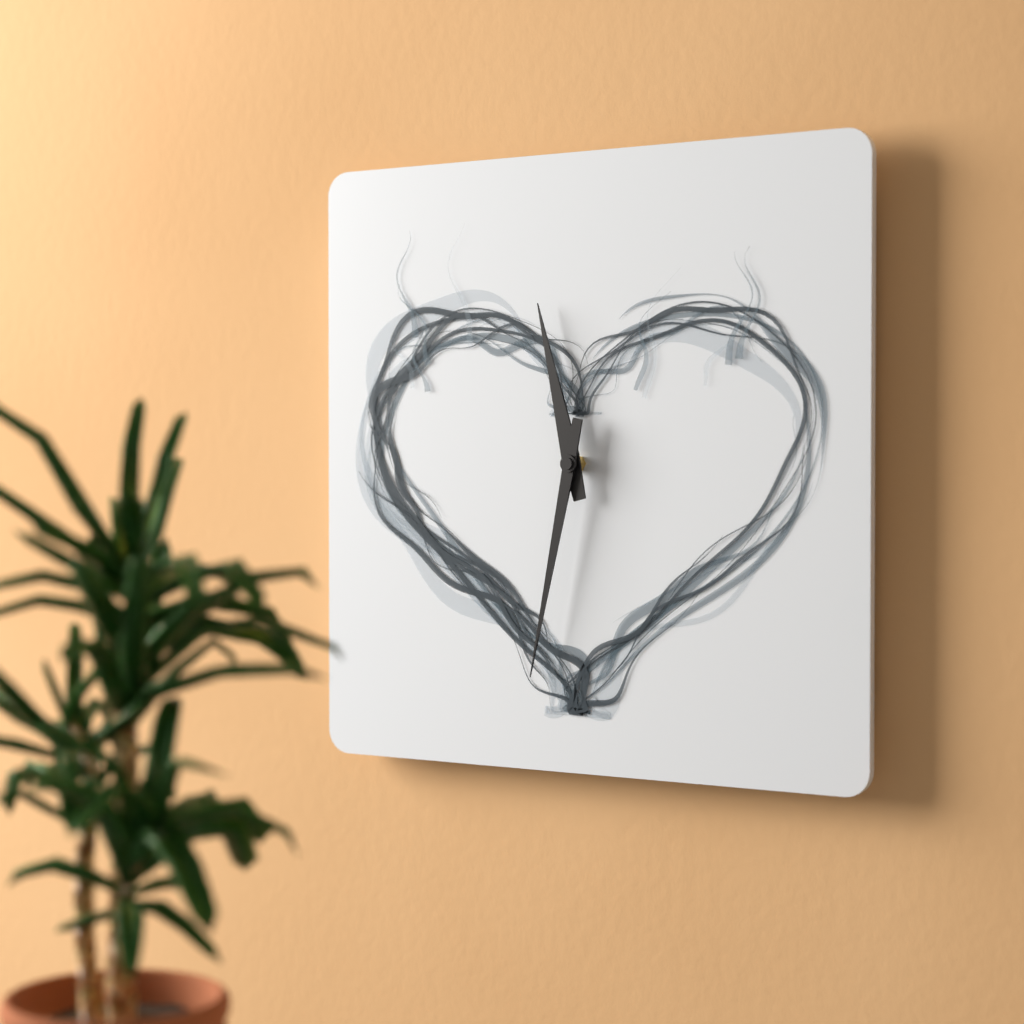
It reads 11:32
